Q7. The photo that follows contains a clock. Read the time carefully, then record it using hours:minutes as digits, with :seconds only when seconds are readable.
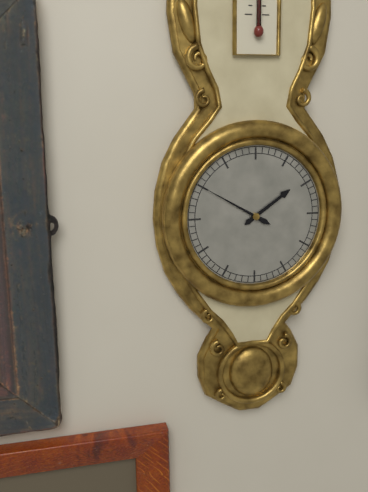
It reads 1:50
